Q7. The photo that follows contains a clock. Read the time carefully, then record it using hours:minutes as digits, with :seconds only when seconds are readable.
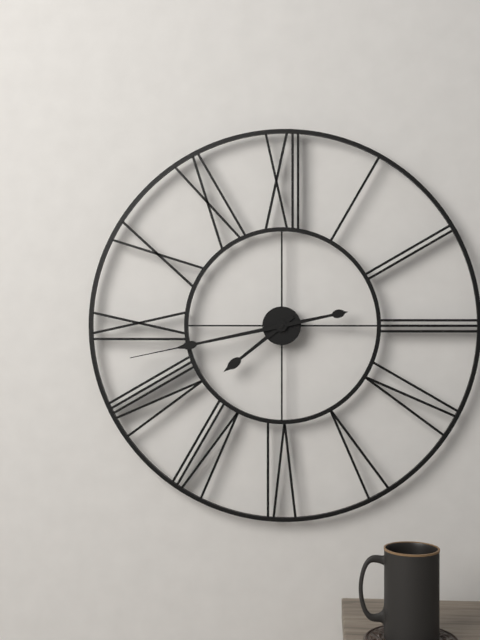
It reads 7:43
